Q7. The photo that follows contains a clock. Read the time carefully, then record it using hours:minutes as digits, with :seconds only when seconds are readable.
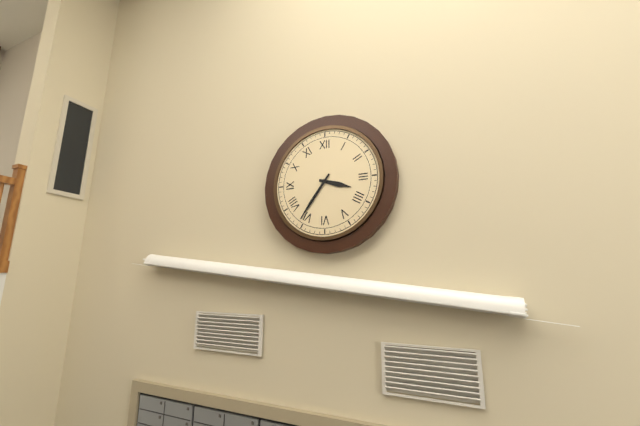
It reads 3:36
